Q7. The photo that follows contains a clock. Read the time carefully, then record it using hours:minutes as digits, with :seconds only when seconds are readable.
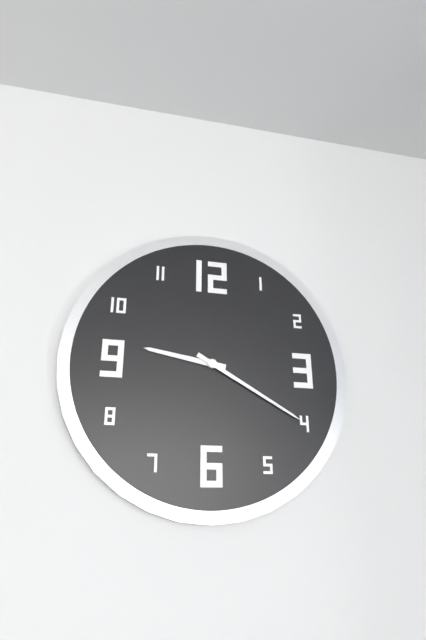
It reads 9:20
